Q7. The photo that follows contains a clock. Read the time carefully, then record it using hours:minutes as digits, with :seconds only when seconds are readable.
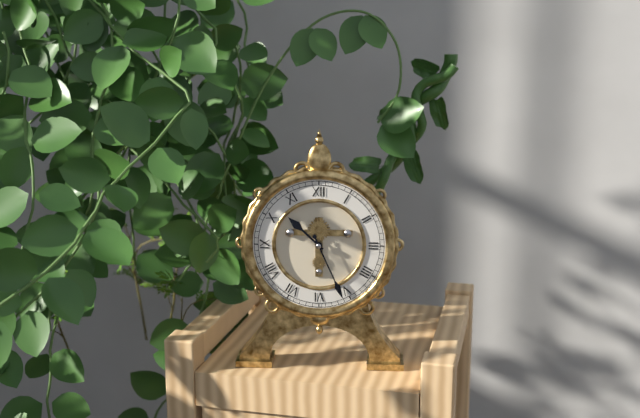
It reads 10:26
